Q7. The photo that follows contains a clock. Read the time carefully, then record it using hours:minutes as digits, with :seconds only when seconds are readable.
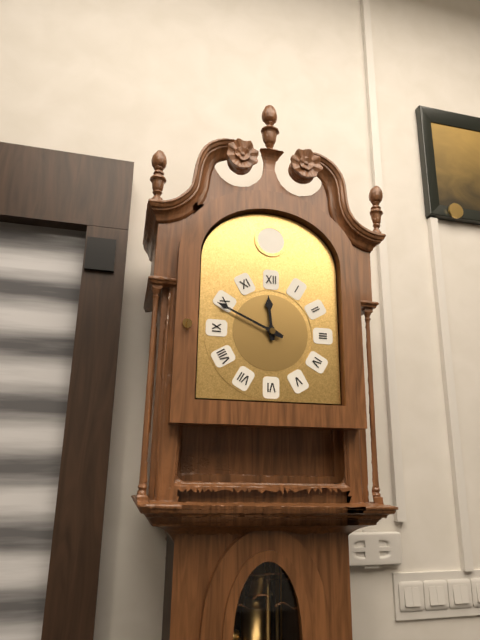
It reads 11:49
